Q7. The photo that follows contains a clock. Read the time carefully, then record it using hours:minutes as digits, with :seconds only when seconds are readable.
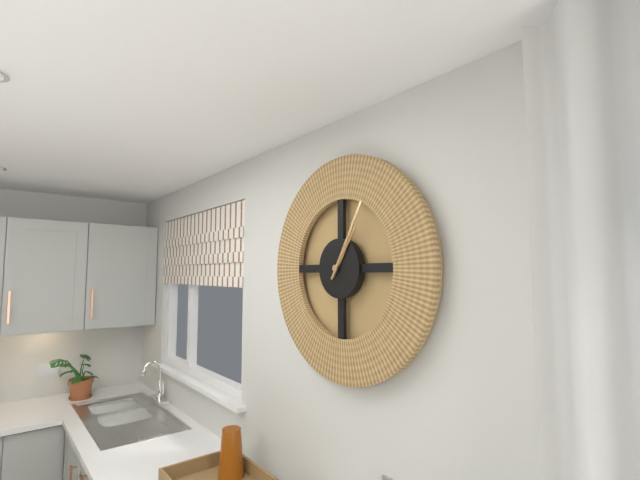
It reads 1:05
